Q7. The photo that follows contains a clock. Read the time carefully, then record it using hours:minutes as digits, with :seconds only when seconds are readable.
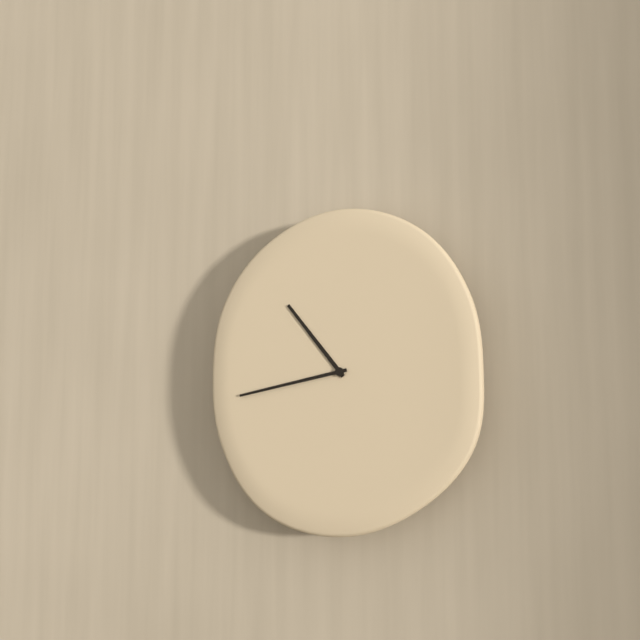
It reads 10:43
